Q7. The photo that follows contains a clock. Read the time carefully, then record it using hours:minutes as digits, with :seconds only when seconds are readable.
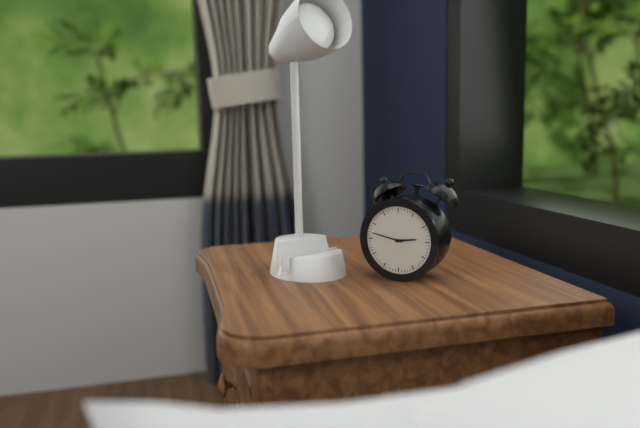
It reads 2:47
